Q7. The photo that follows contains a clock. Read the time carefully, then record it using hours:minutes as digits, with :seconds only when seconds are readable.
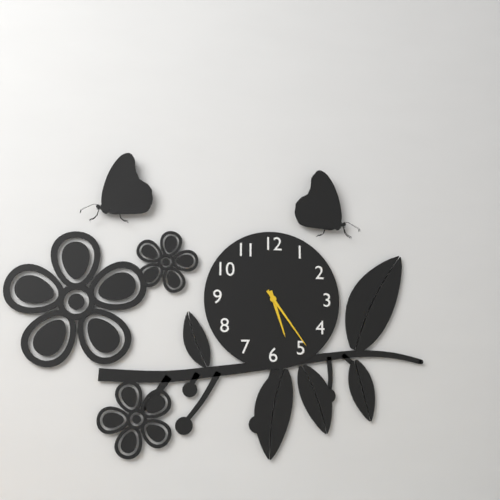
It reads 5:24
